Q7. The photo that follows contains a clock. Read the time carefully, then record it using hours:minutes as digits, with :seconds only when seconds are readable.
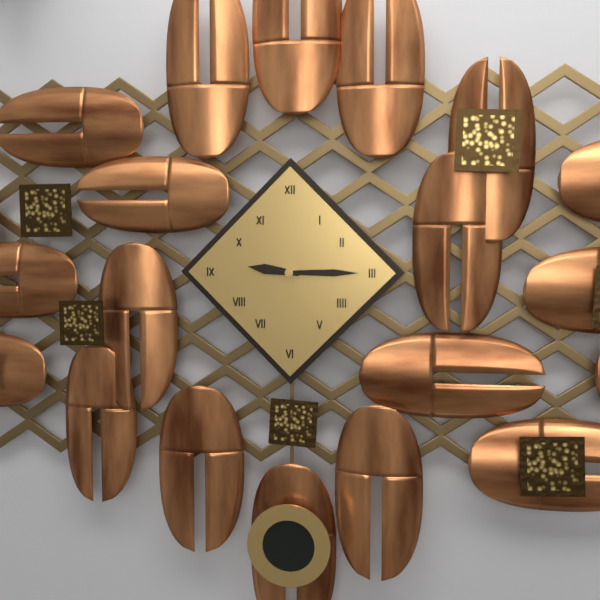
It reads 9:15
